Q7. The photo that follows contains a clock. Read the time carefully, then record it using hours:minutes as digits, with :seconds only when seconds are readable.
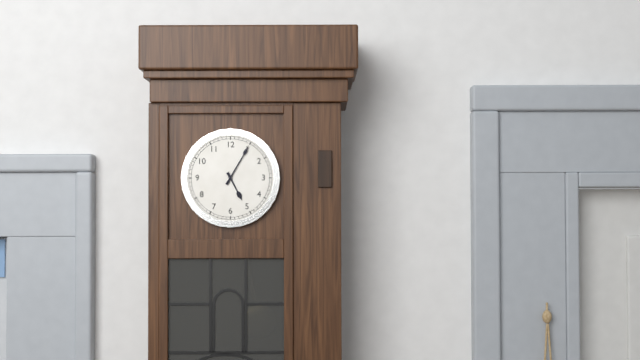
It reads 5:05
